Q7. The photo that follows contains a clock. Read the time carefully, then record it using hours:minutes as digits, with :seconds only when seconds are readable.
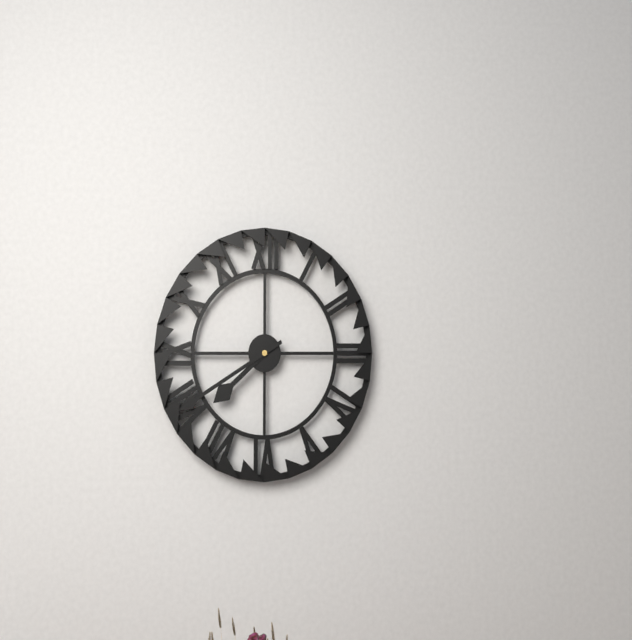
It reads 7:40
